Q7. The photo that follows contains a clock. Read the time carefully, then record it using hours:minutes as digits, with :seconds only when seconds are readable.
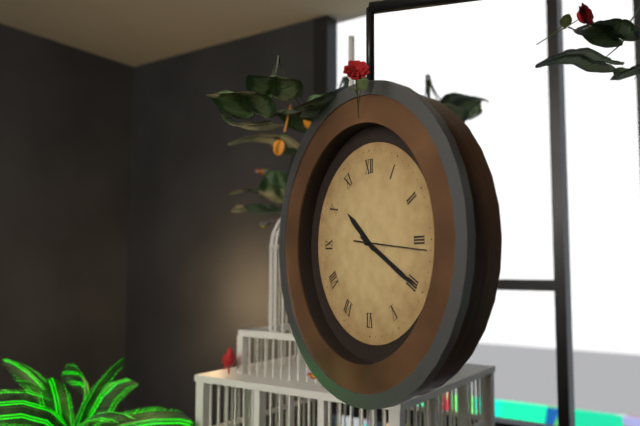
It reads 10:20:16
